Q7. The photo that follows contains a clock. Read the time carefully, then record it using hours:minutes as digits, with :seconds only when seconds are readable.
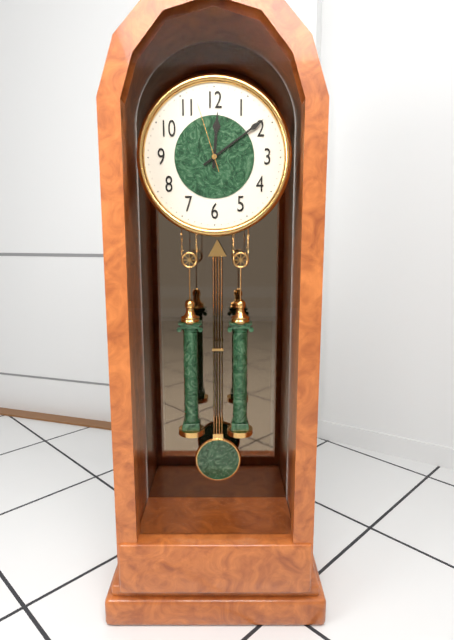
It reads 12:09:57
